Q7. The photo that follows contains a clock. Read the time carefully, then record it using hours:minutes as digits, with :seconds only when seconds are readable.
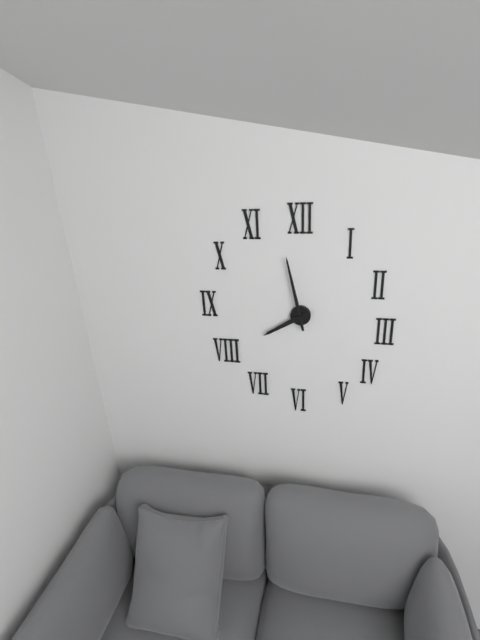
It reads 7:58
